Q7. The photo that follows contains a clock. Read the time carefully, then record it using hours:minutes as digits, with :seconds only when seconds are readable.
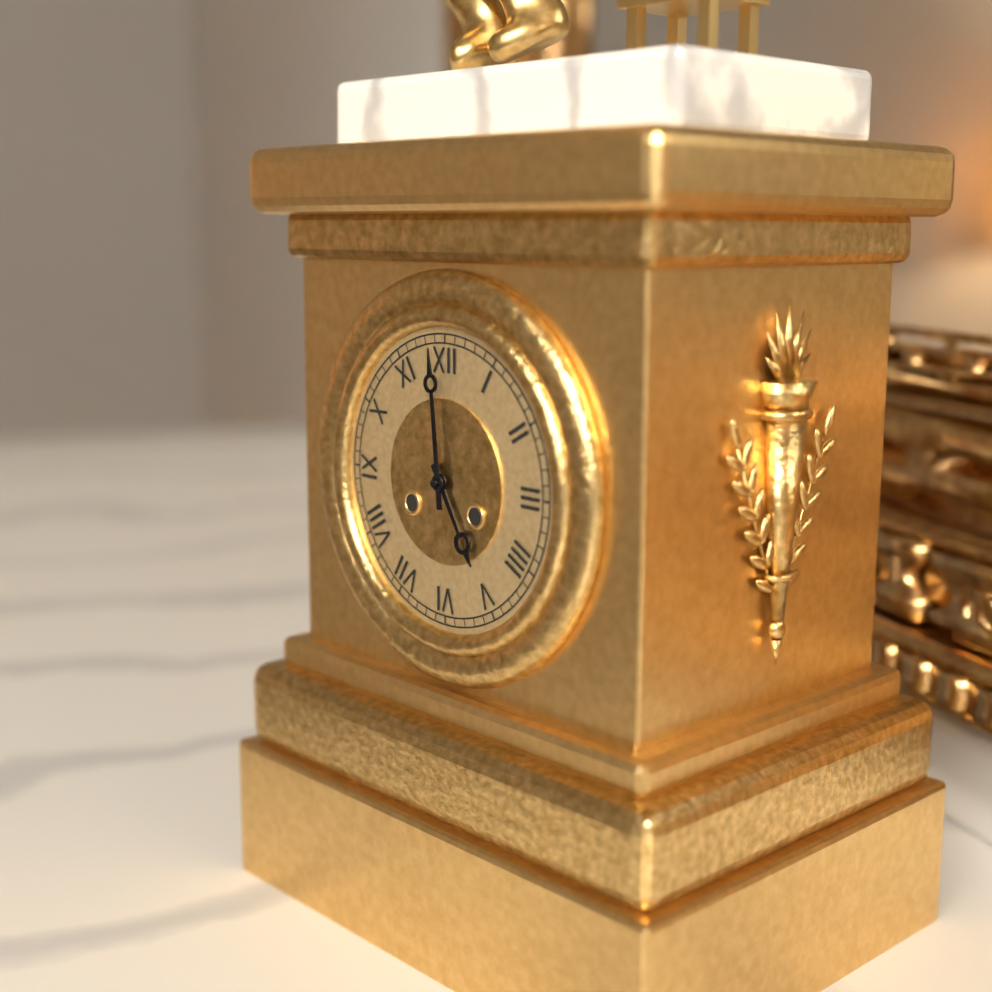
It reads 4:59
